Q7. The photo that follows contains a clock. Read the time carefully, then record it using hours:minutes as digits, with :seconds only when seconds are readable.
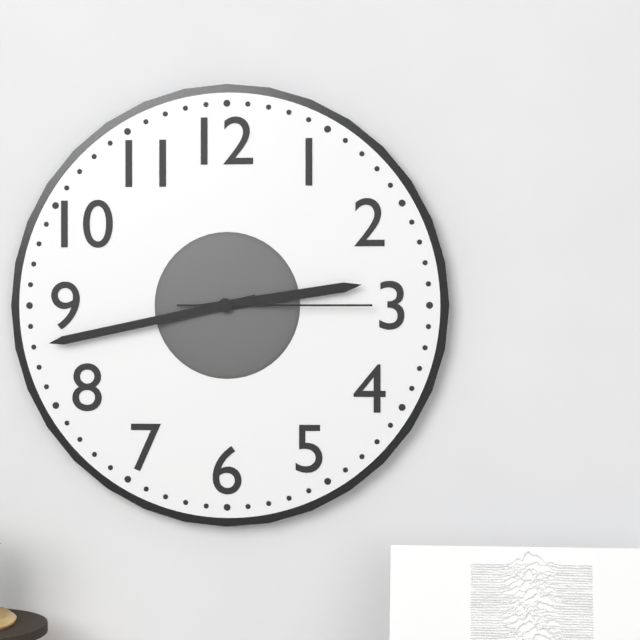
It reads 2:43:15
